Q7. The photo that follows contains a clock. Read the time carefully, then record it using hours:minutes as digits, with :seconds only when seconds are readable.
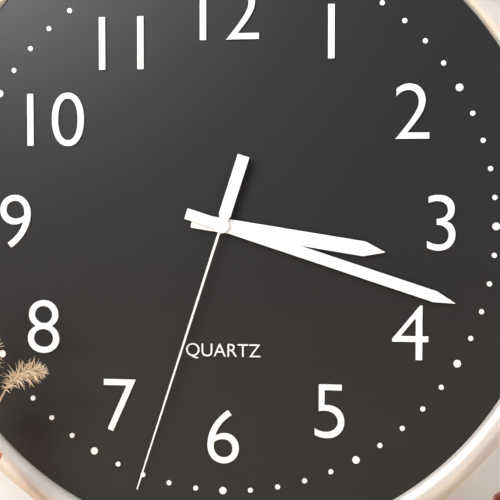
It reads 3:18:33
